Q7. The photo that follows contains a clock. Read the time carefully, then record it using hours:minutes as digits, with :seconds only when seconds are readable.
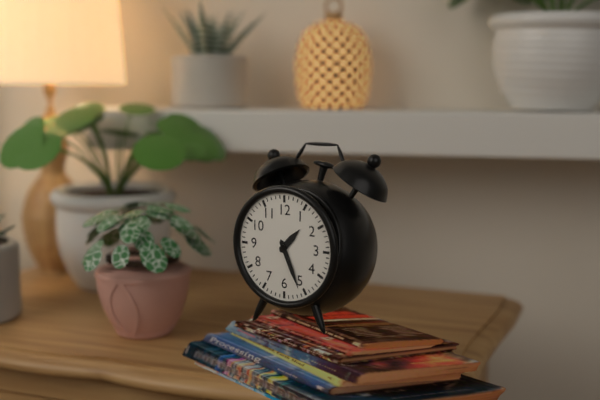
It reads 1:26
